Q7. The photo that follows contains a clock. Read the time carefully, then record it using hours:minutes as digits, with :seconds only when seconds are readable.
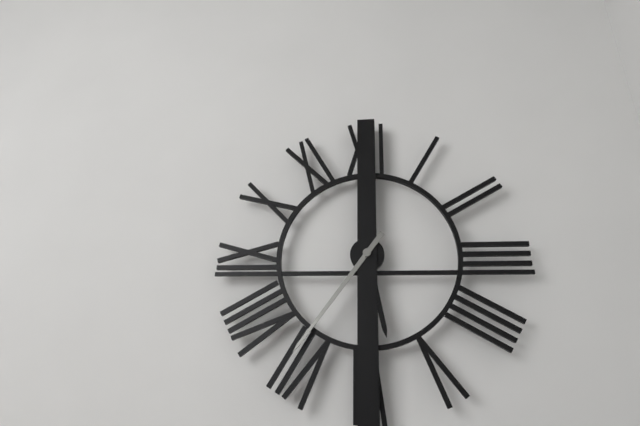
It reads 5:36
